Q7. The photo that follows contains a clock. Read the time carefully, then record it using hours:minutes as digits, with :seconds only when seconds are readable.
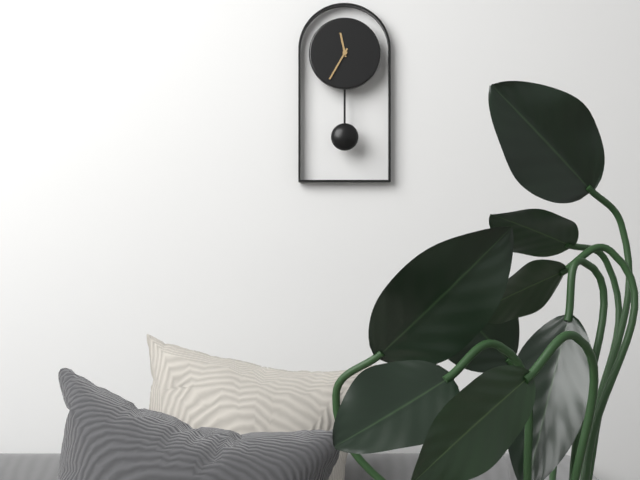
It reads 11:35
